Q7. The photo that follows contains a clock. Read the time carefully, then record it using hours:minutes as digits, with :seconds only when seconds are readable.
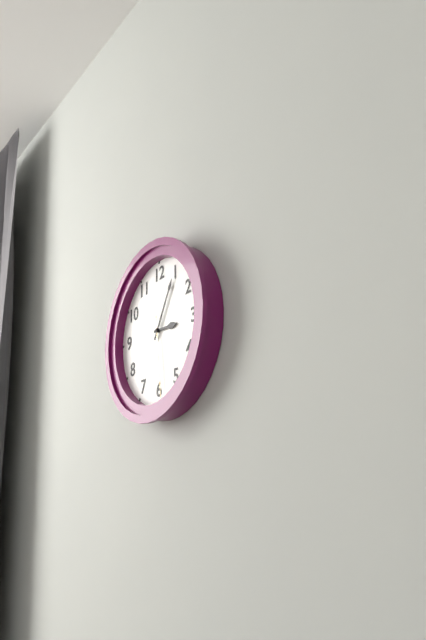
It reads 3:05:29
